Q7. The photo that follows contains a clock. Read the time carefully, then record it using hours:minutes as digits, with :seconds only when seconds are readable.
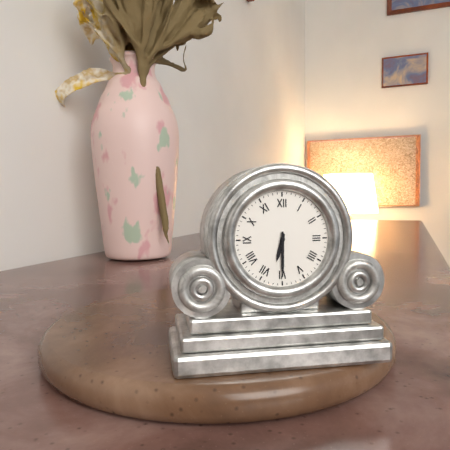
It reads 6:30
